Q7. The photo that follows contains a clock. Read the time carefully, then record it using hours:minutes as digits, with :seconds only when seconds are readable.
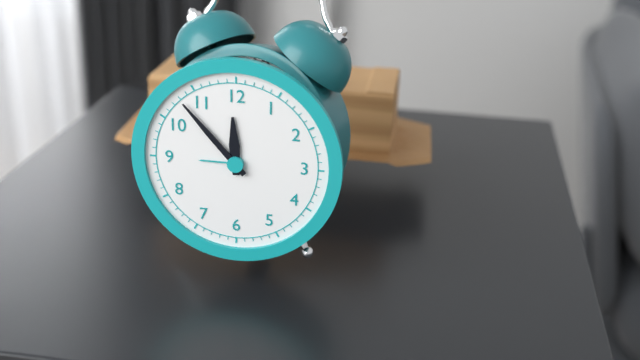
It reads 11:53
